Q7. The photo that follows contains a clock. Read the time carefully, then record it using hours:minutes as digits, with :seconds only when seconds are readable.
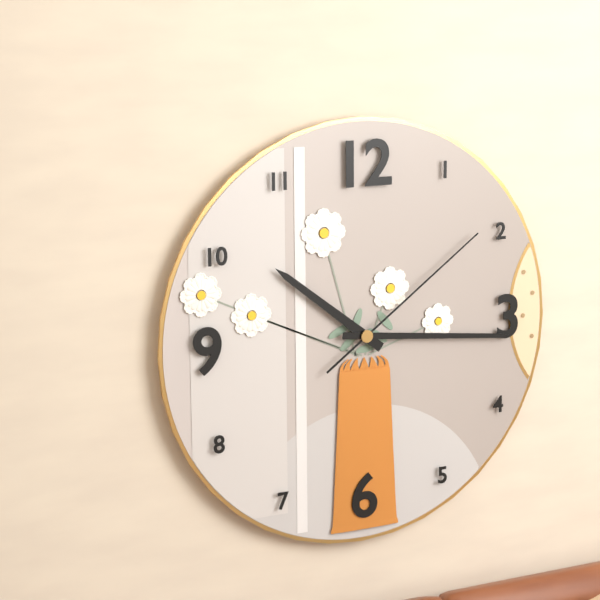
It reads 10:16:09
